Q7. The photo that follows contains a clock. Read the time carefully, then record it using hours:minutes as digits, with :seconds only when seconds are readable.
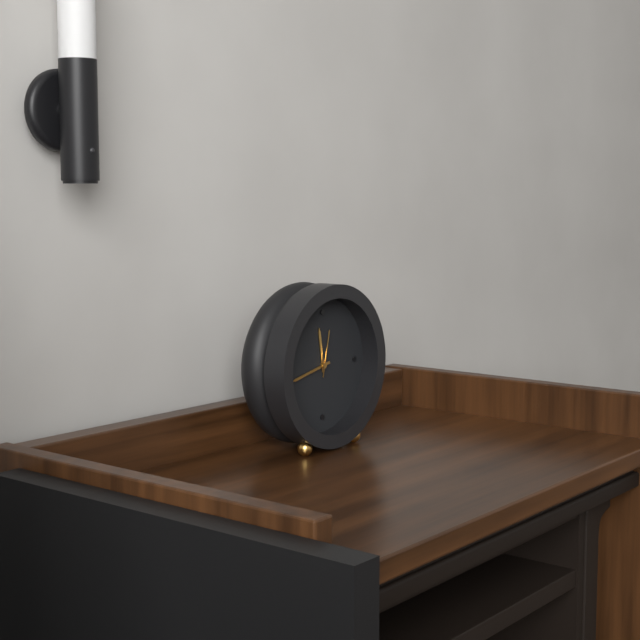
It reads 11:43
